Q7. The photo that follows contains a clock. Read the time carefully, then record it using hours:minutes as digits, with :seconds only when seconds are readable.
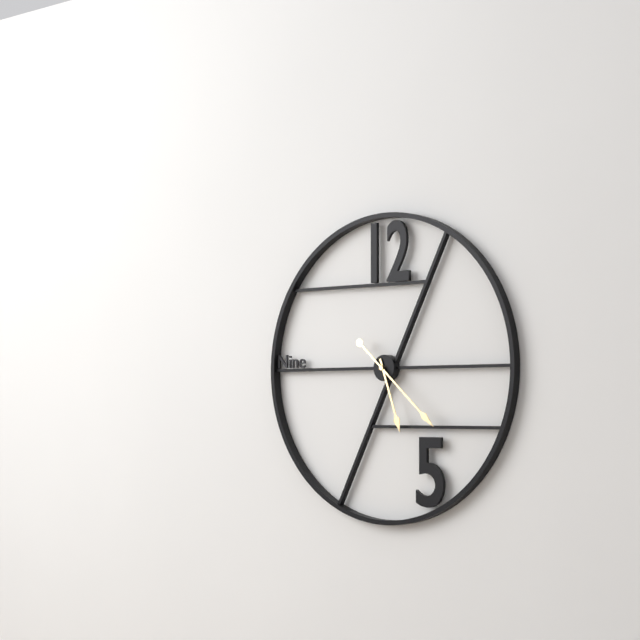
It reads 5:22
